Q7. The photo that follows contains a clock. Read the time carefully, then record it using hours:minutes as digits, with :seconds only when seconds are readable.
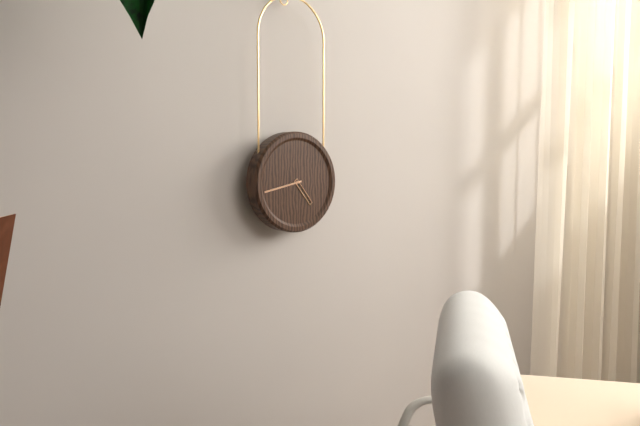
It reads 4:43
